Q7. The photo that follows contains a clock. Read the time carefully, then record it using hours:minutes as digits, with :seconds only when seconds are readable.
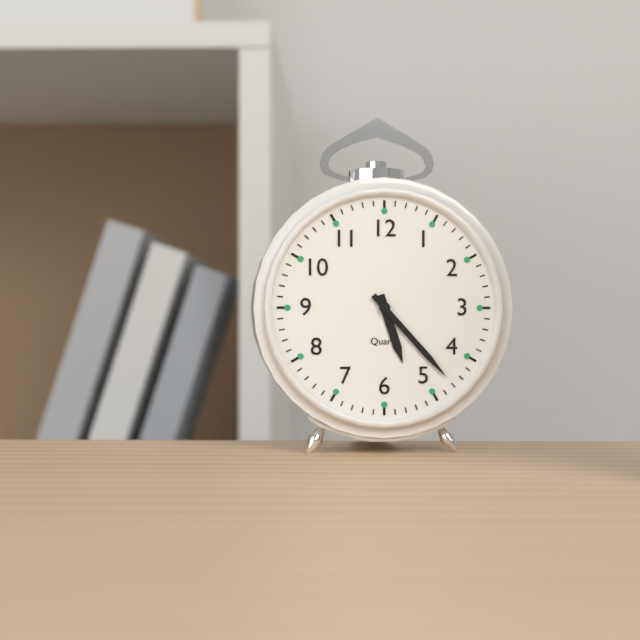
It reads 5:23
